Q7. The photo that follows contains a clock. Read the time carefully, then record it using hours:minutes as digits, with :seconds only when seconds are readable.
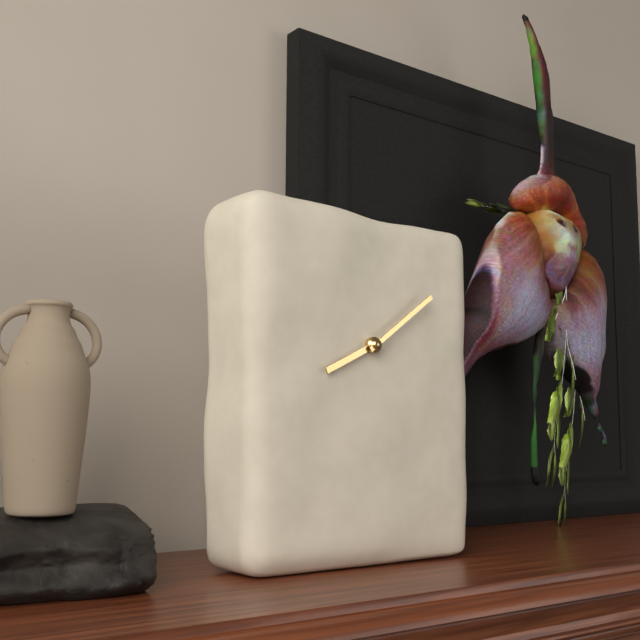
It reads 8:09
